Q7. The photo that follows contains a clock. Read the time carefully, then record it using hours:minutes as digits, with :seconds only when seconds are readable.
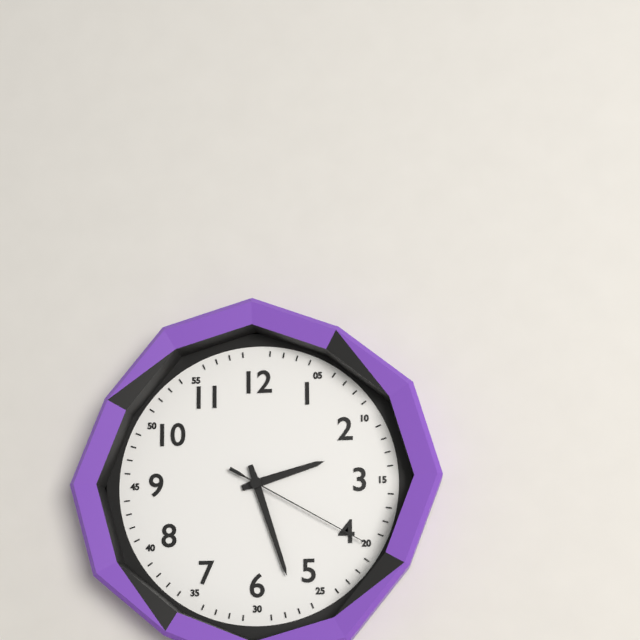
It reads 2:27:20
